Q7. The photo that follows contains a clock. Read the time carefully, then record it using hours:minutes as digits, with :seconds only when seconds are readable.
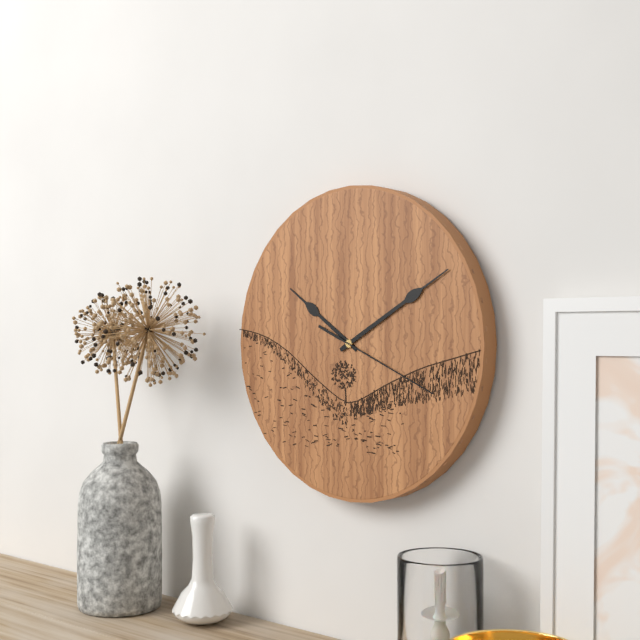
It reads 10:10:19
